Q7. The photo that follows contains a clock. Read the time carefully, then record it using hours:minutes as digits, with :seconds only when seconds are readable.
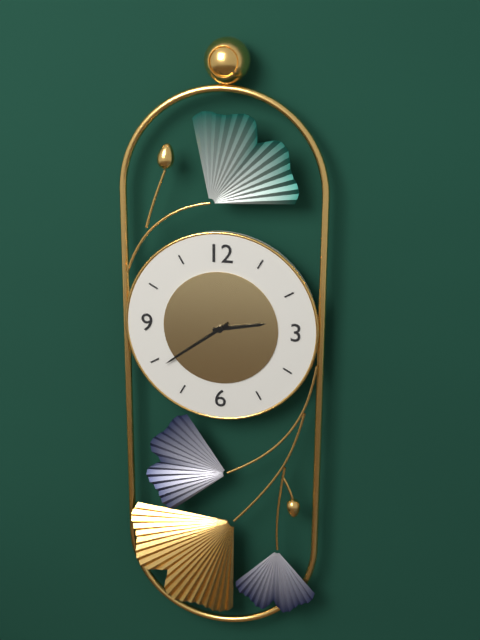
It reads 2:39
